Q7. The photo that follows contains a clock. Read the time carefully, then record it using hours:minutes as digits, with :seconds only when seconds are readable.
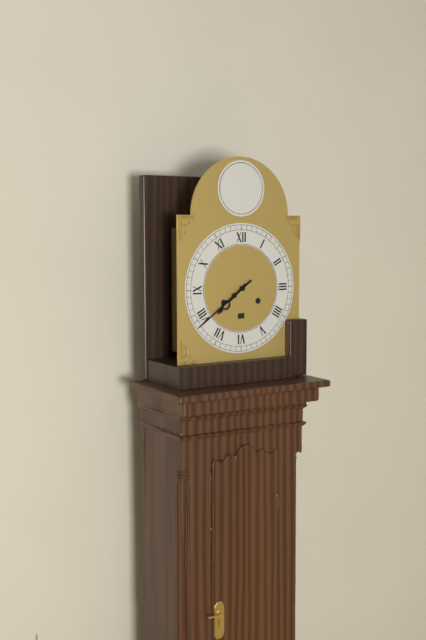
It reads 7:39
